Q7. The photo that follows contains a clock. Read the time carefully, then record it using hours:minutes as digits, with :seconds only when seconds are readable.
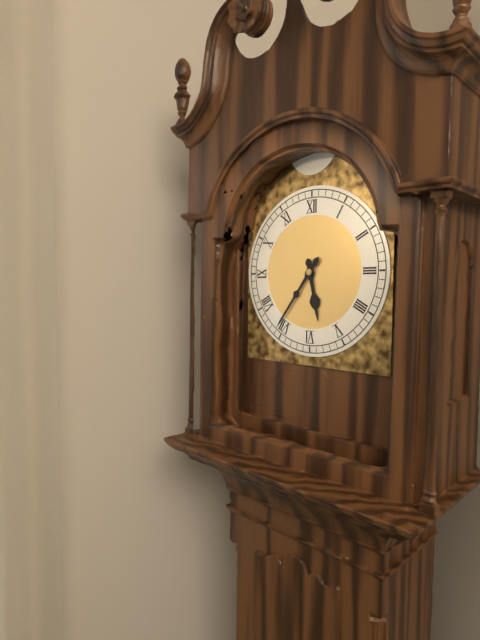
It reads 5:36
